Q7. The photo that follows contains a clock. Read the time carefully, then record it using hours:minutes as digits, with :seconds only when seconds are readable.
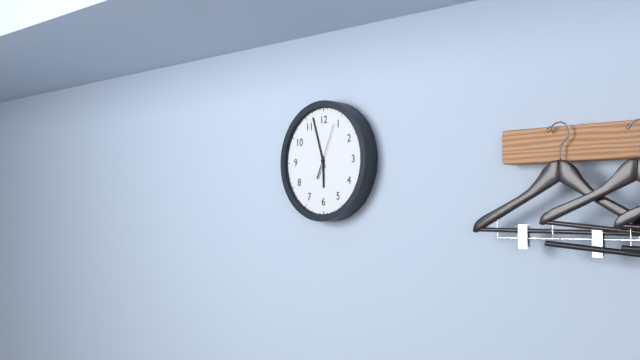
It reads 5:57
